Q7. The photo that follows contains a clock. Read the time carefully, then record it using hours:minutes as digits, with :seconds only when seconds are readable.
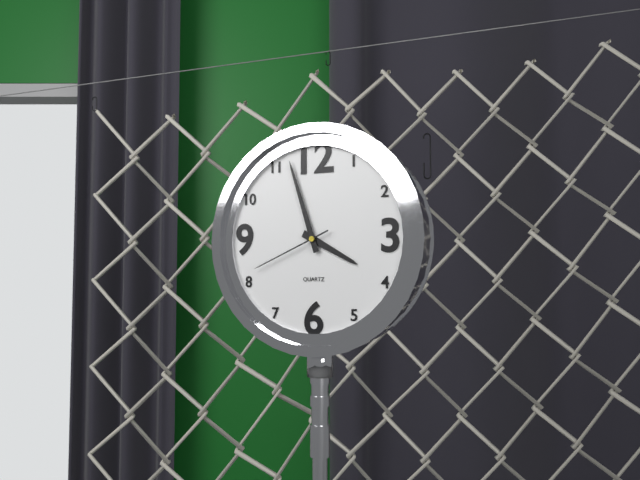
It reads 3:57:41
